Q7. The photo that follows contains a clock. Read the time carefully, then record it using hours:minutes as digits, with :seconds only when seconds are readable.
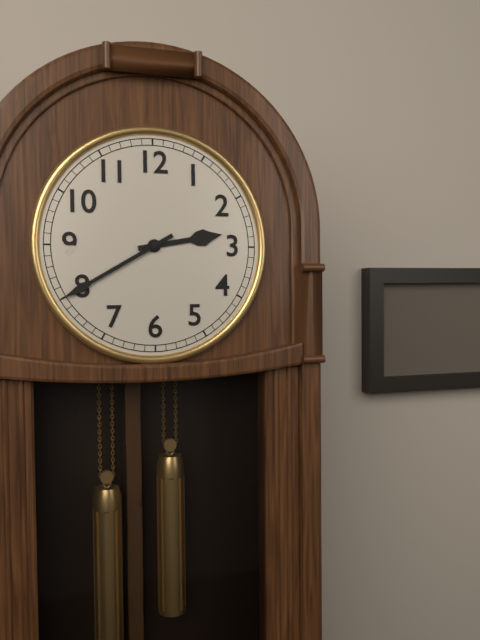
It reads 2:40
